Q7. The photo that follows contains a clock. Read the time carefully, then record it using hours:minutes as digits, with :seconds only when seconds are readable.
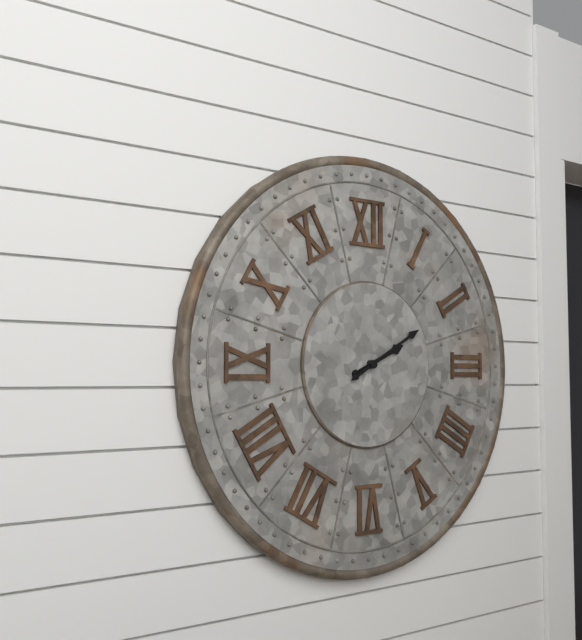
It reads 2:10
